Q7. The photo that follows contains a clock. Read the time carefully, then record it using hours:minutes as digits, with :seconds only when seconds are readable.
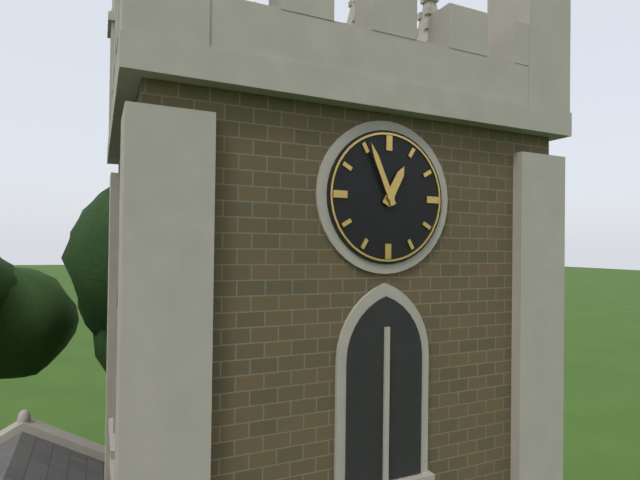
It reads 12:56
